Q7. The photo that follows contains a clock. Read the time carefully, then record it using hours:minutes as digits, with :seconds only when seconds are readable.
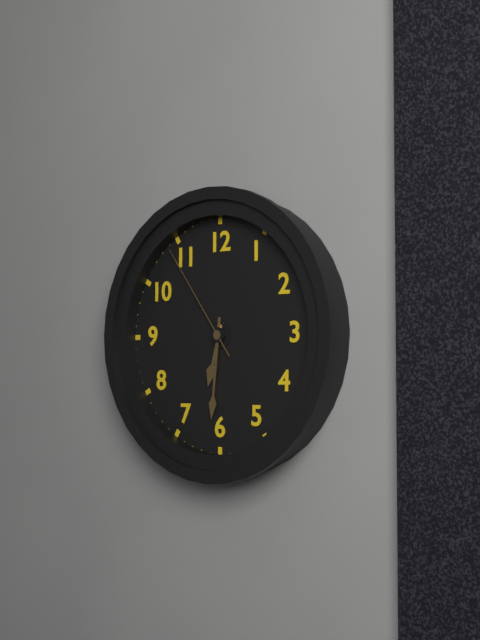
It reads 6:31:54
